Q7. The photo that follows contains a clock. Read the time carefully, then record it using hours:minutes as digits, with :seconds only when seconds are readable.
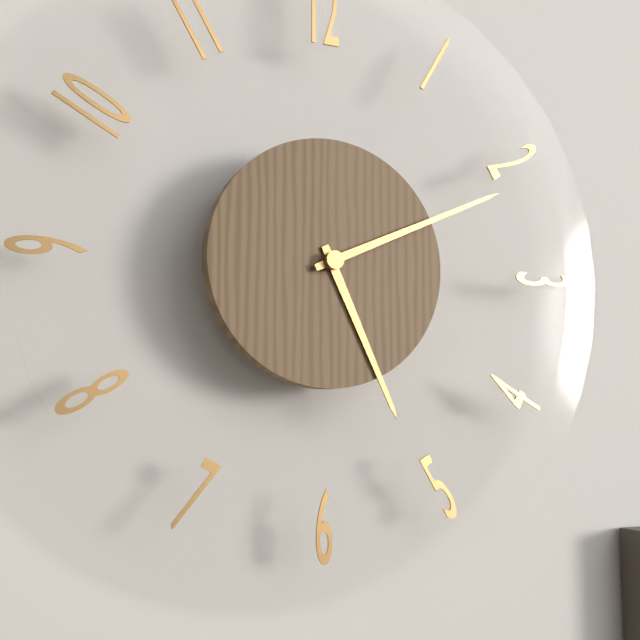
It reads 5:11
